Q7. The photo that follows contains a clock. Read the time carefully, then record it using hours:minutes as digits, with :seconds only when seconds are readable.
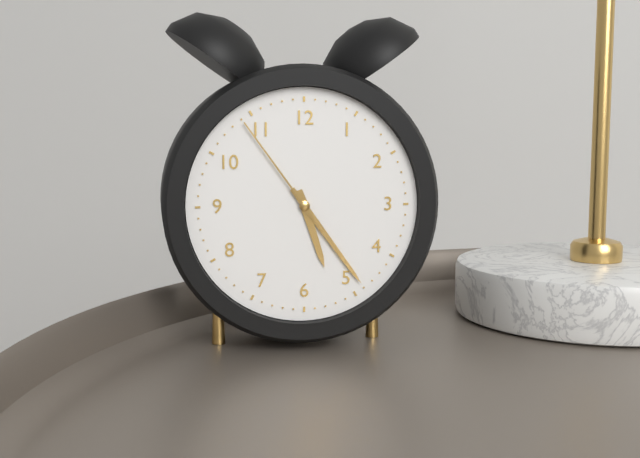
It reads 5:24:54
